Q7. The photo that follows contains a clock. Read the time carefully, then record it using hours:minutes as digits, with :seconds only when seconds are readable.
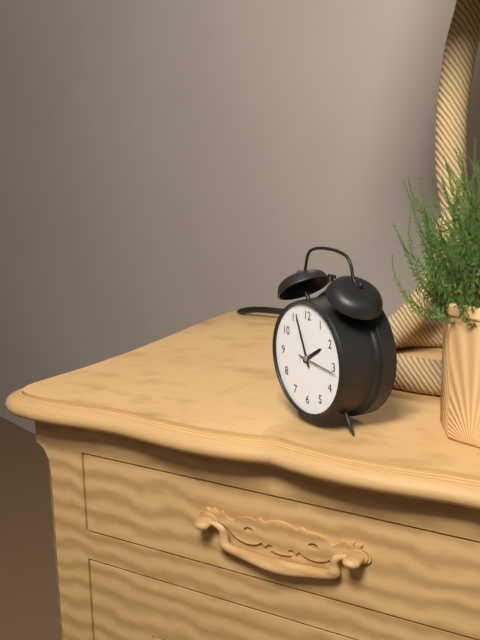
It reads 1:56
